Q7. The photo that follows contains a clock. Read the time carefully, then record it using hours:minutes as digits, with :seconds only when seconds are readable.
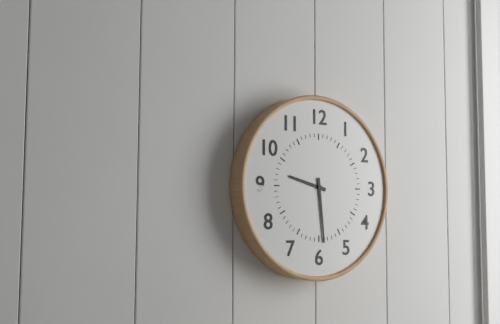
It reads 9:29
